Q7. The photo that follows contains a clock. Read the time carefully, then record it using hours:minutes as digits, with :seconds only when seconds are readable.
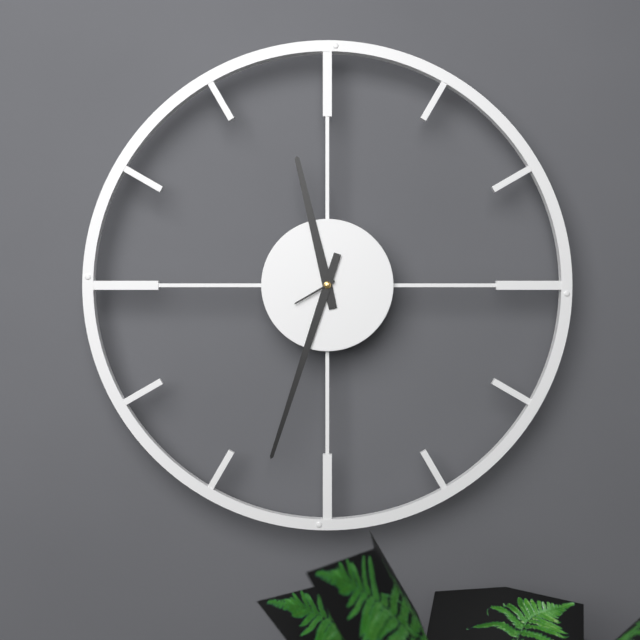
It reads 11:33
